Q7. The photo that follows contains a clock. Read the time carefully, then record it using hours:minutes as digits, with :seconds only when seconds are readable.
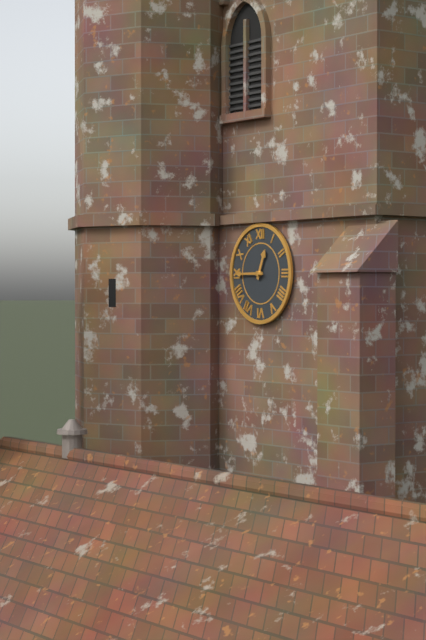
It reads 12:45
